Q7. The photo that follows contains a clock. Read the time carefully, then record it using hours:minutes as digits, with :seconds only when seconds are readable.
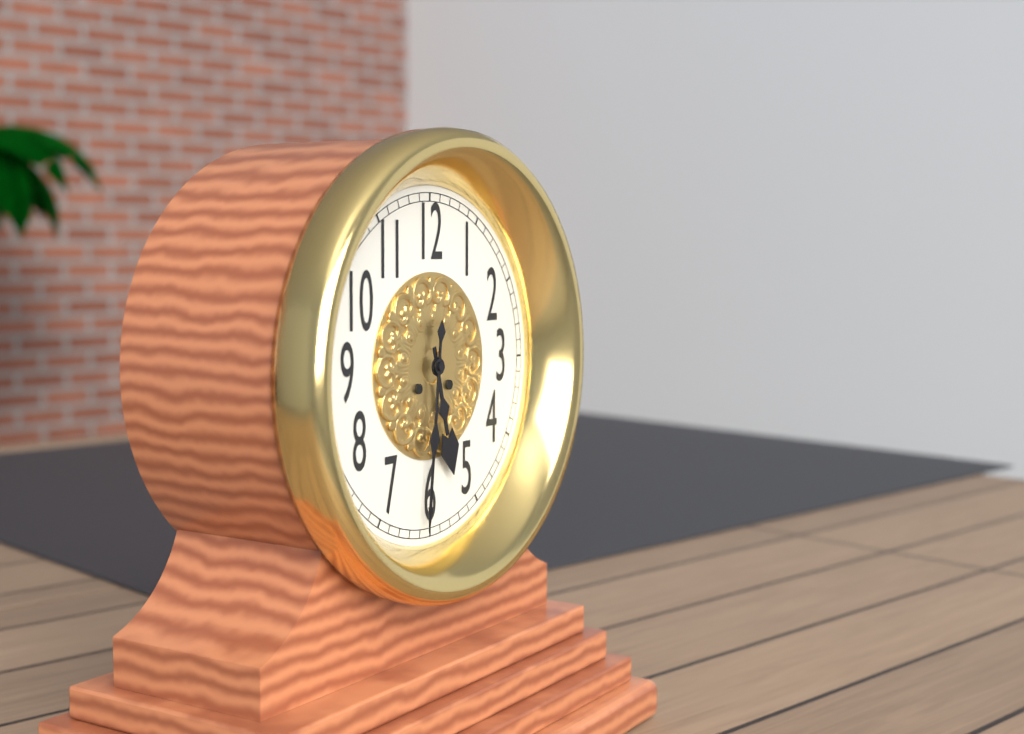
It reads 5:31
